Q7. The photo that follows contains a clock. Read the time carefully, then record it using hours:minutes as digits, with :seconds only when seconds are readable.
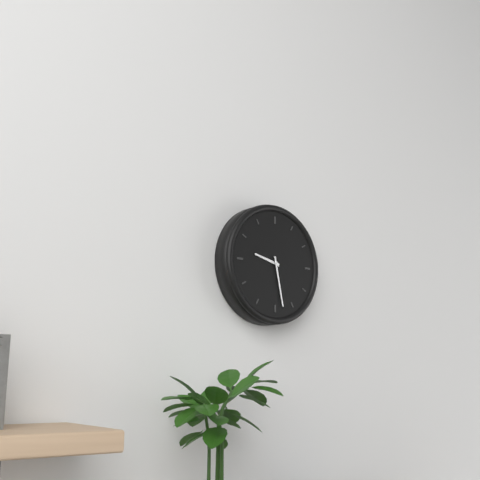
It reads 9:28
